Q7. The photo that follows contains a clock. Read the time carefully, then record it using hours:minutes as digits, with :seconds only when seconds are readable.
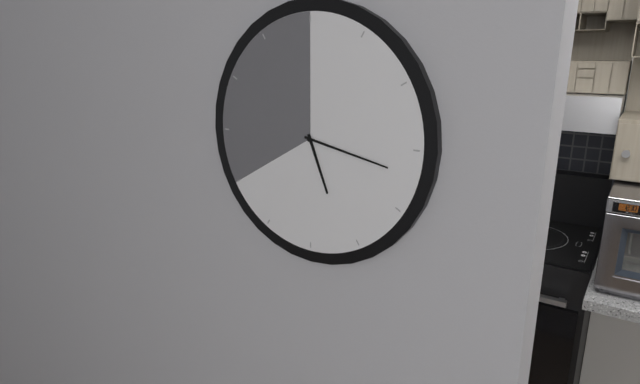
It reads 5:17
